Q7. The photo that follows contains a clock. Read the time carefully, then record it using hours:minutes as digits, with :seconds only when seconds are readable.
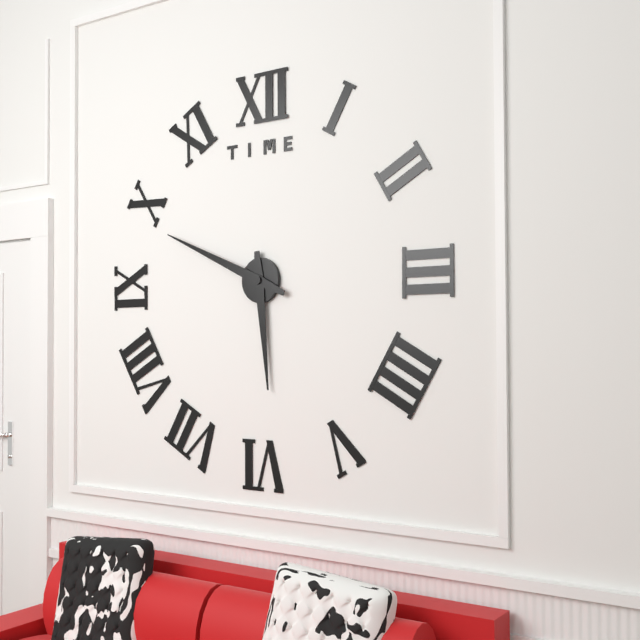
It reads 5:49
